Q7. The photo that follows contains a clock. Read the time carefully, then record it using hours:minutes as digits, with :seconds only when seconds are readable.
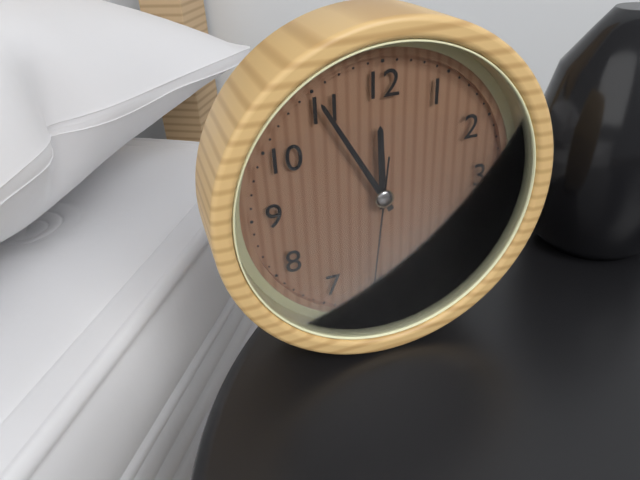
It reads 11:55:31
